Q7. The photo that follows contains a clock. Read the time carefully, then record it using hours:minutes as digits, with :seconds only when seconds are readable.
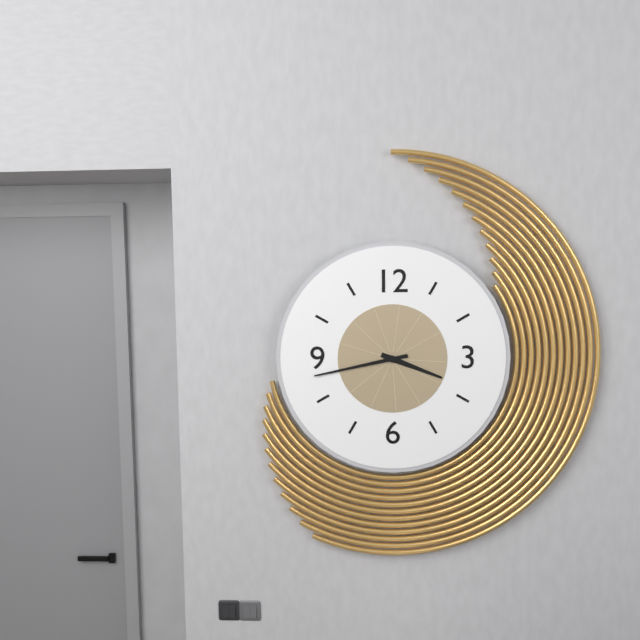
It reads 3:43
